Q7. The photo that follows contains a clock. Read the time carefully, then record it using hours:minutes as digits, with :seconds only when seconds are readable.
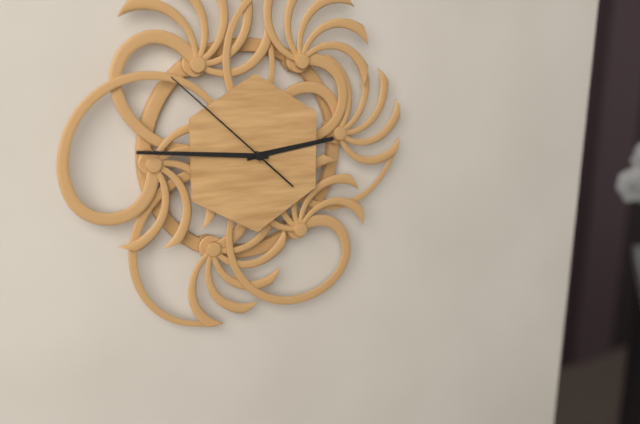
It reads 2:46:52
